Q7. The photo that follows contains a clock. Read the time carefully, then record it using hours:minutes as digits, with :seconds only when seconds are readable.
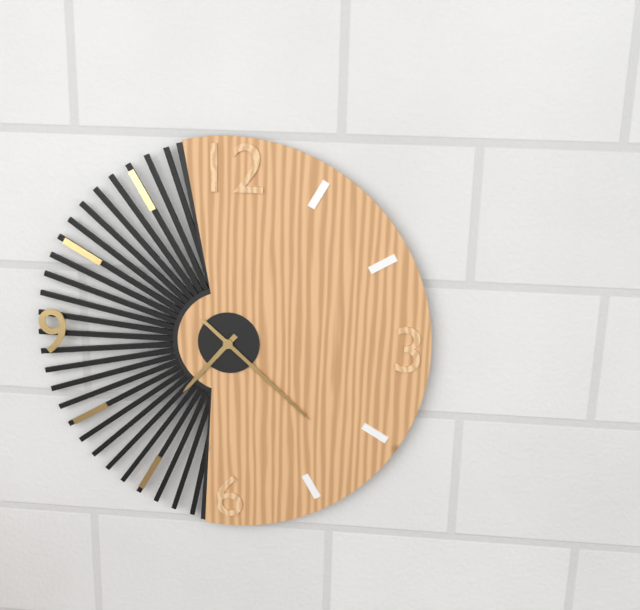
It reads 7:22
